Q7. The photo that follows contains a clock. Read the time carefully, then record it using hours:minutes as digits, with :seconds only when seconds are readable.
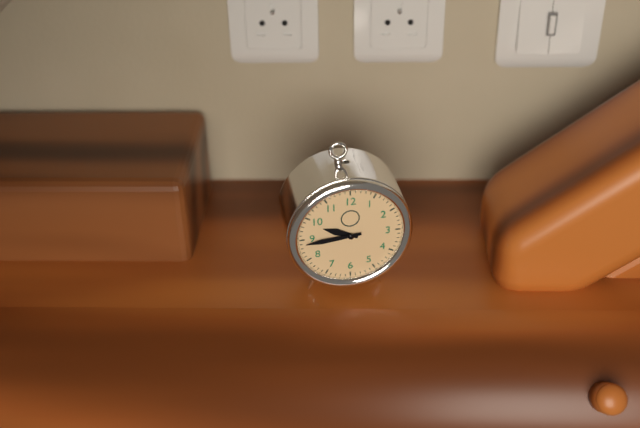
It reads 9:44
